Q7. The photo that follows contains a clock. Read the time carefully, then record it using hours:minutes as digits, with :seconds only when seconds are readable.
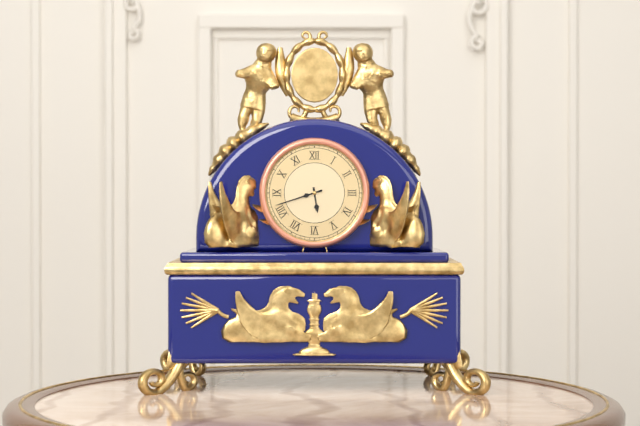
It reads 5:42
